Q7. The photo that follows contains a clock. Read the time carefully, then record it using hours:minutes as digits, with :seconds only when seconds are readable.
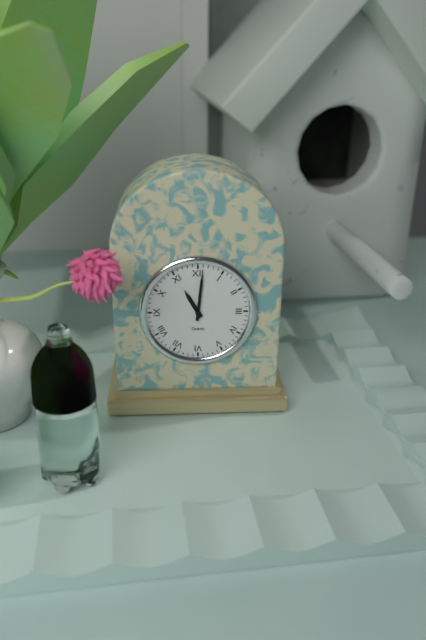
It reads 11:01
